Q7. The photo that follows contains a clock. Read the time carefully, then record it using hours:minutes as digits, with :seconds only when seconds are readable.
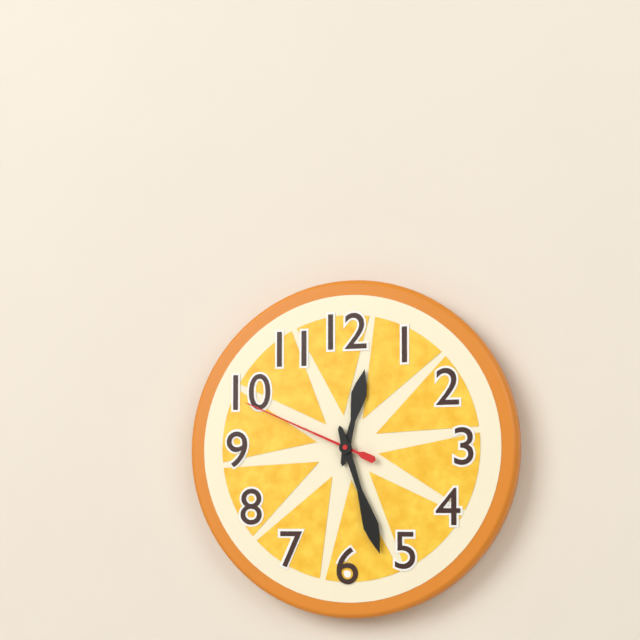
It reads 12:27:49
